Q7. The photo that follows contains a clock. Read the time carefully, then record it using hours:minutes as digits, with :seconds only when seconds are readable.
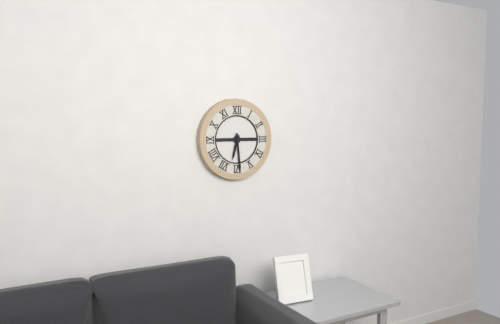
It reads 6:29
